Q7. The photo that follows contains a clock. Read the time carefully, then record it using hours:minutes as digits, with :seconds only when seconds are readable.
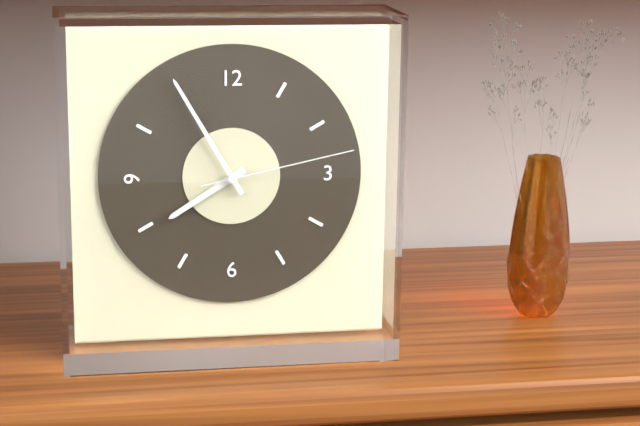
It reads 7:55:13
